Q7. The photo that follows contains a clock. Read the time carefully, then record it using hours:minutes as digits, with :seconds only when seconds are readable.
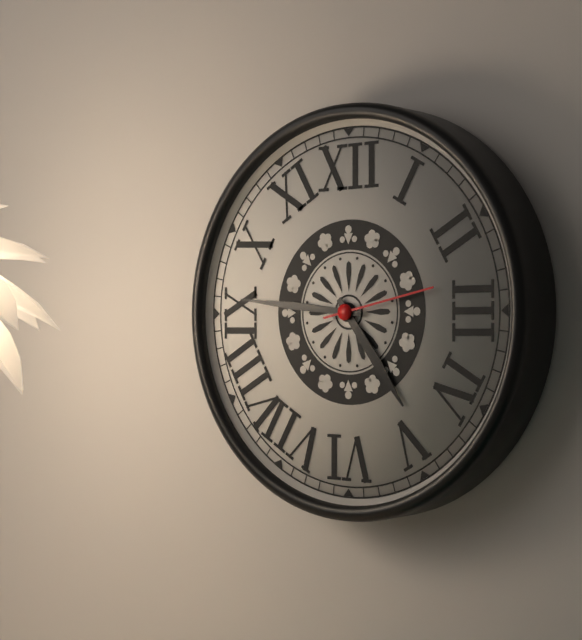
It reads 4:46:13
